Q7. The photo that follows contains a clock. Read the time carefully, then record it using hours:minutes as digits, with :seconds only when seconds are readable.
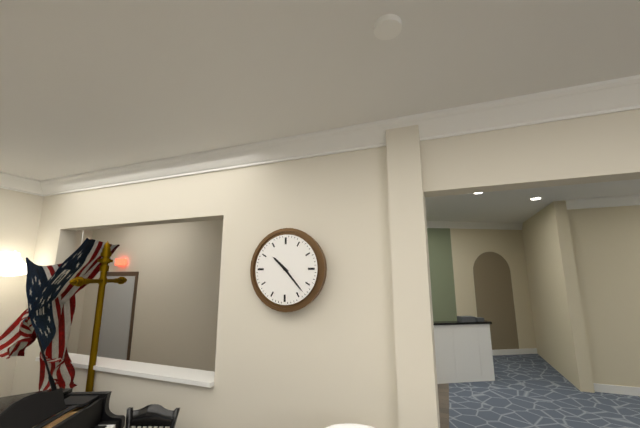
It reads 10:23
